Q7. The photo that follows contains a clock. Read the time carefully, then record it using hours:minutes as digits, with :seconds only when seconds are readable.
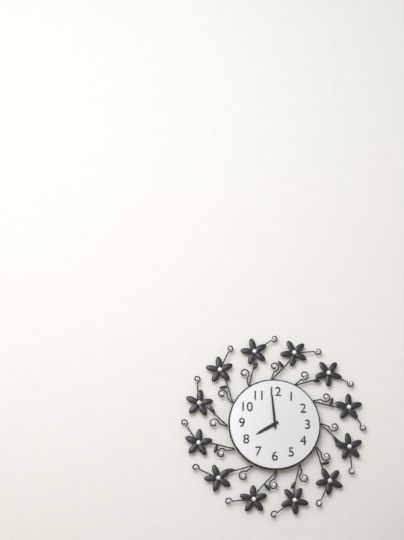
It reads 7:59
